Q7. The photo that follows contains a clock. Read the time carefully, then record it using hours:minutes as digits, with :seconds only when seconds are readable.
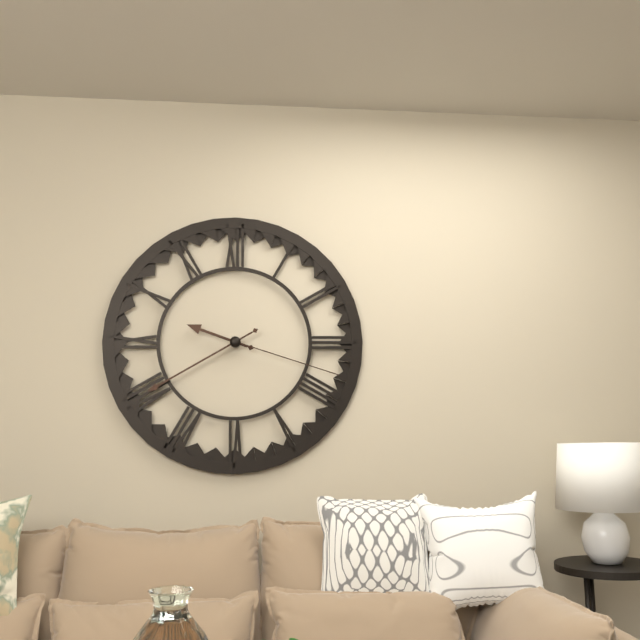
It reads 9:40:18
